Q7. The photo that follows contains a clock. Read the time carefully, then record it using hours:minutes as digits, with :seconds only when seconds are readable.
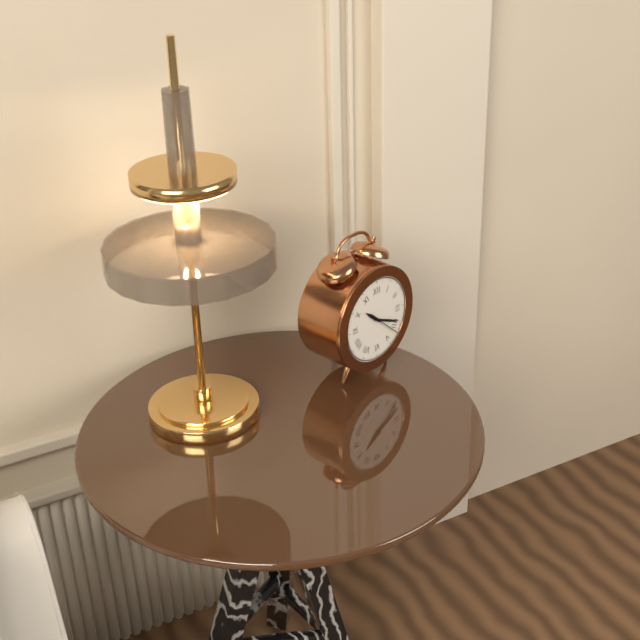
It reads 10:19
